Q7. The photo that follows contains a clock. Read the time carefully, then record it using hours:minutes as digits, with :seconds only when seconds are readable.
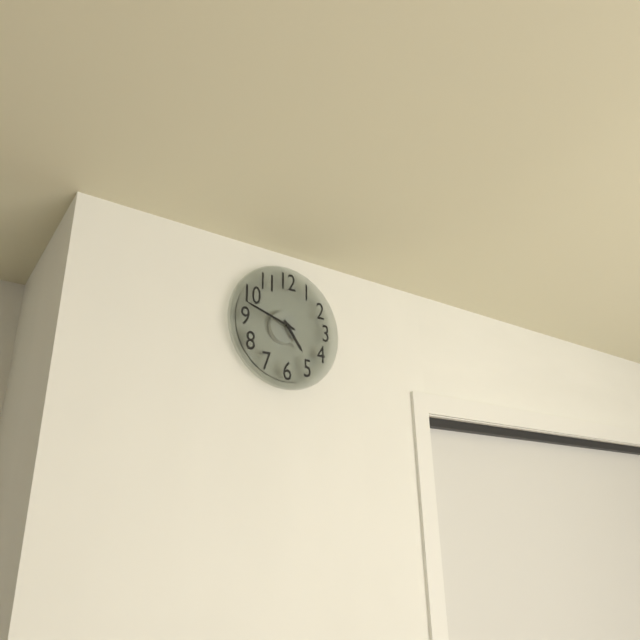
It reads 4:48
